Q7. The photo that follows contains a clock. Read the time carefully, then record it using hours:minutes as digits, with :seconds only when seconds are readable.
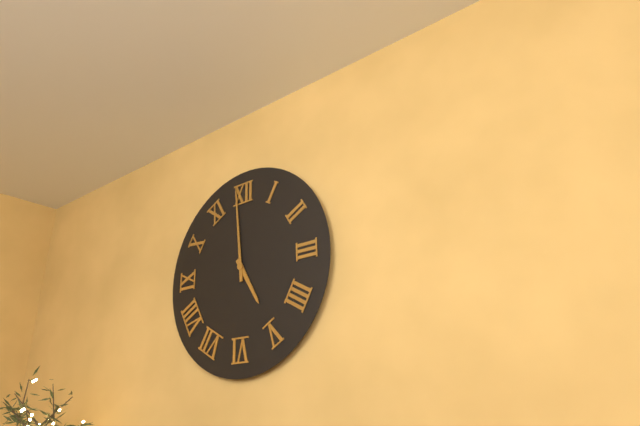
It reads 4:59
